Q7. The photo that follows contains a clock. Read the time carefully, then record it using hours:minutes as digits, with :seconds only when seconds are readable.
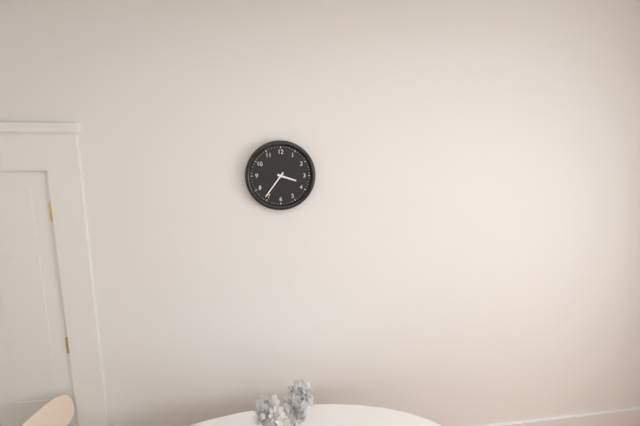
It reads 3:36
